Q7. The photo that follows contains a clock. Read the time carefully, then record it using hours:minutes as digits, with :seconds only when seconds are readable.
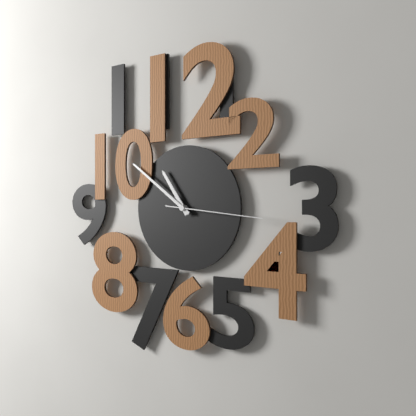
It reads 10:51:16
